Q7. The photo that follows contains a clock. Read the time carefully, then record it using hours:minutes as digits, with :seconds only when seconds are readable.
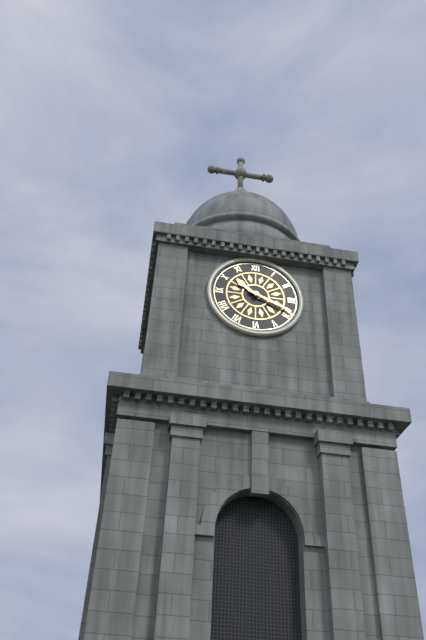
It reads 10:19
